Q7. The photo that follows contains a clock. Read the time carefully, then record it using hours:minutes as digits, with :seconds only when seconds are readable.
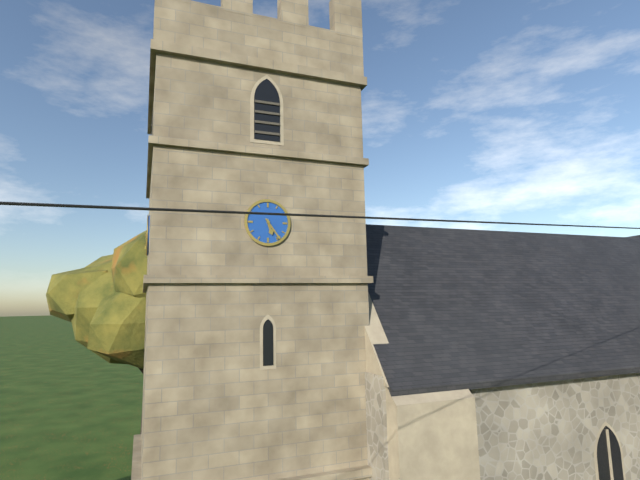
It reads 5:24
